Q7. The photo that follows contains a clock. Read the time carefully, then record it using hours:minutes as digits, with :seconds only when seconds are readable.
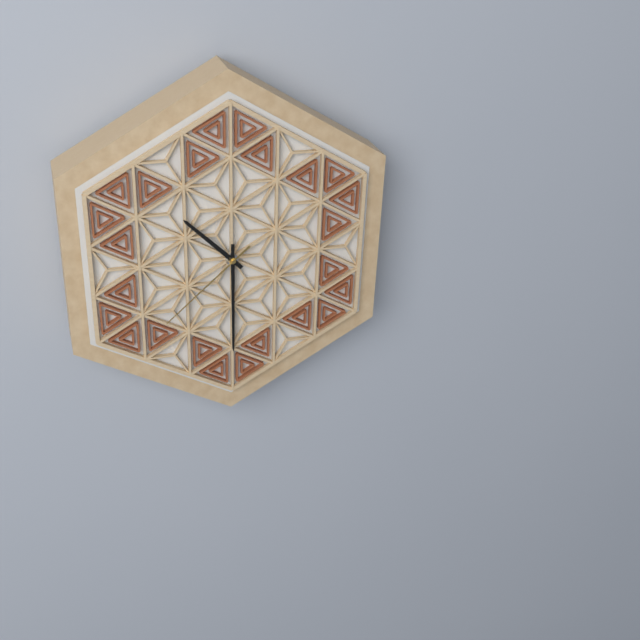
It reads 10:30:38
